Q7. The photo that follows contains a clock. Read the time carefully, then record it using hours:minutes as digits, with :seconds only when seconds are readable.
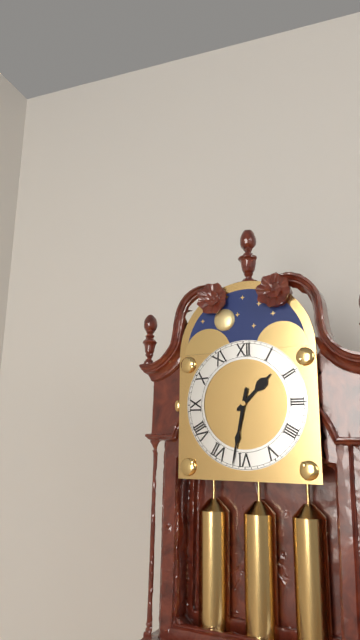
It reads 1:32
